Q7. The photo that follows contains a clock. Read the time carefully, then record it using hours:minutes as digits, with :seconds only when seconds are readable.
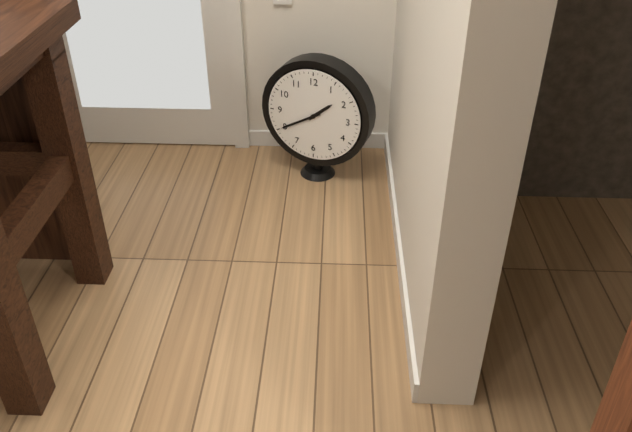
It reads 1:40
